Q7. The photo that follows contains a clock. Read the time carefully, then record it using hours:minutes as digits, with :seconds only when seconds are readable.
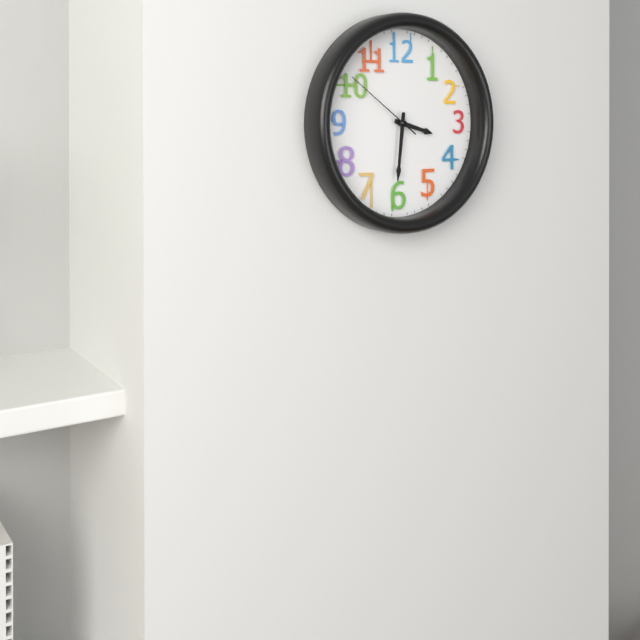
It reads 3:31:51
